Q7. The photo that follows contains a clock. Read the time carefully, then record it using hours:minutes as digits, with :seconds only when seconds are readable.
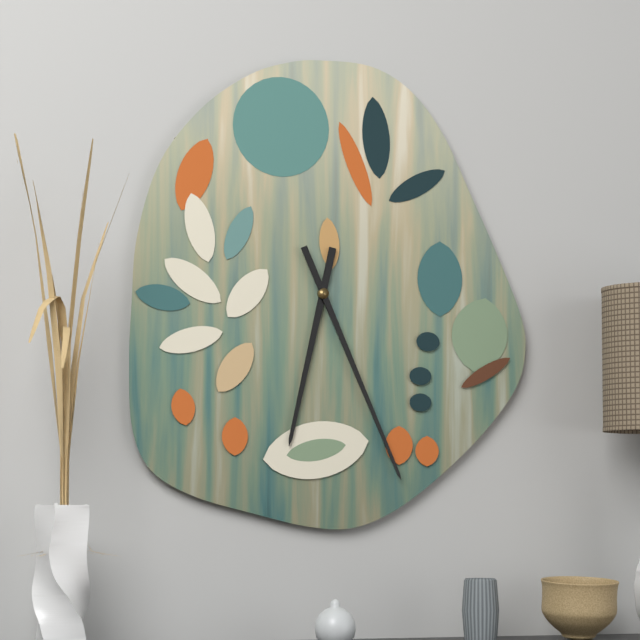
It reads 6:26
